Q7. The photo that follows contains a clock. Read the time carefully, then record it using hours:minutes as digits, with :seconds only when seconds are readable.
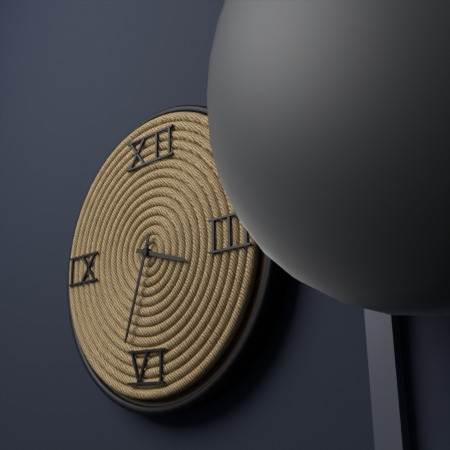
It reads 3:33
